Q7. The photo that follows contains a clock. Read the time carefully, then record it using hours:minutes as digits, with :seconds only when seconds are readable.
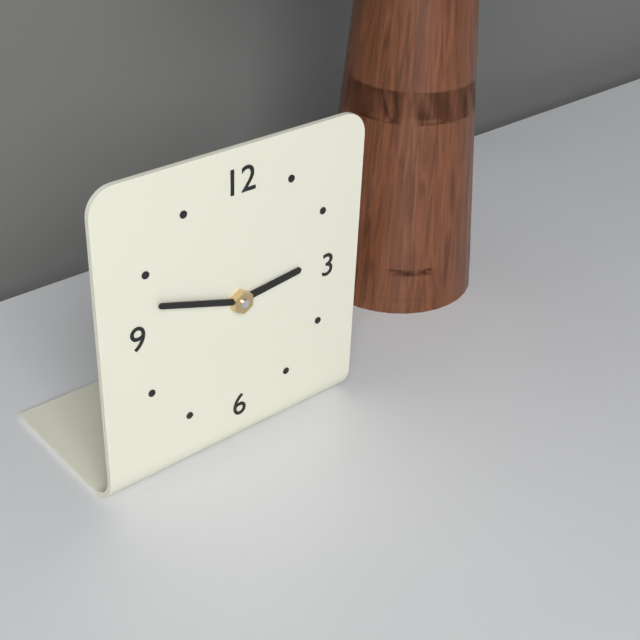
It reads 2:48
